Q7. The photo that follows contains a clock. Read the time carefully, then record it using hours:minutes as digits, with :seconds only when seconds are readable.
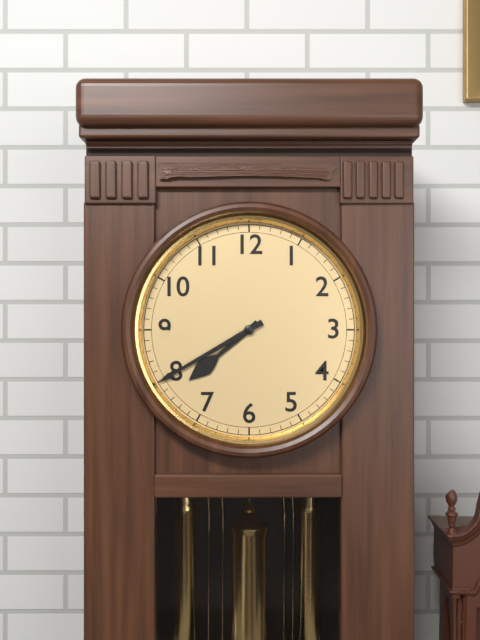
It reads 7:40
